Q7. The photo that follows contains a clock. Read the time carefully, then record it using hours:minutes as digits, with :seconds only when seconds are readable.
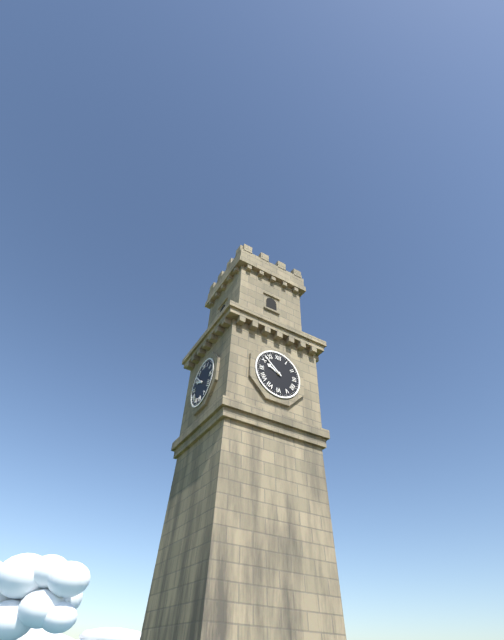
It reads 9:52
